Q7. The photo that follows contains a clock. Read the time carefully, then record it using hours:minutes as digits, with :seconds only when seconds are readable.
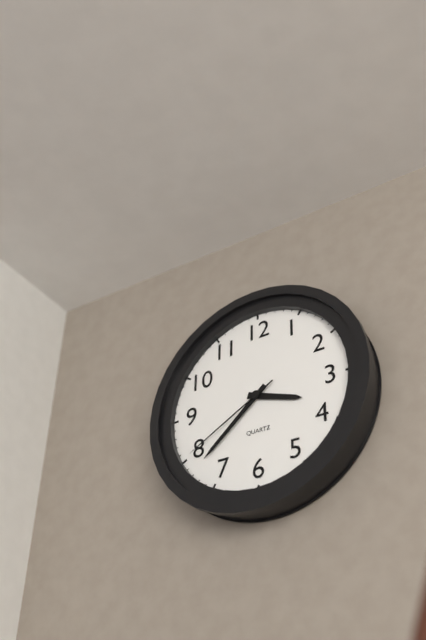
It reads 3:38:40
